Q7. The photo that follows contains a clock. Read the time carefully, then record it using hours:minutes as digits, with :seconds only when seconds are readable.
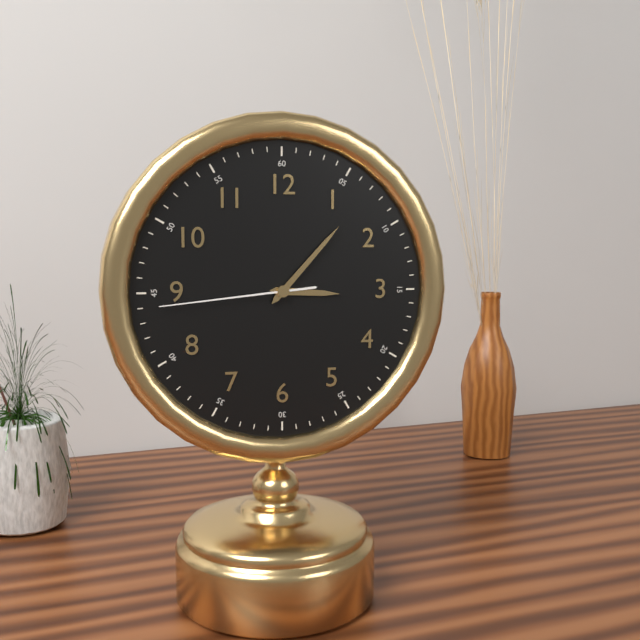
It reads 3:07:44
